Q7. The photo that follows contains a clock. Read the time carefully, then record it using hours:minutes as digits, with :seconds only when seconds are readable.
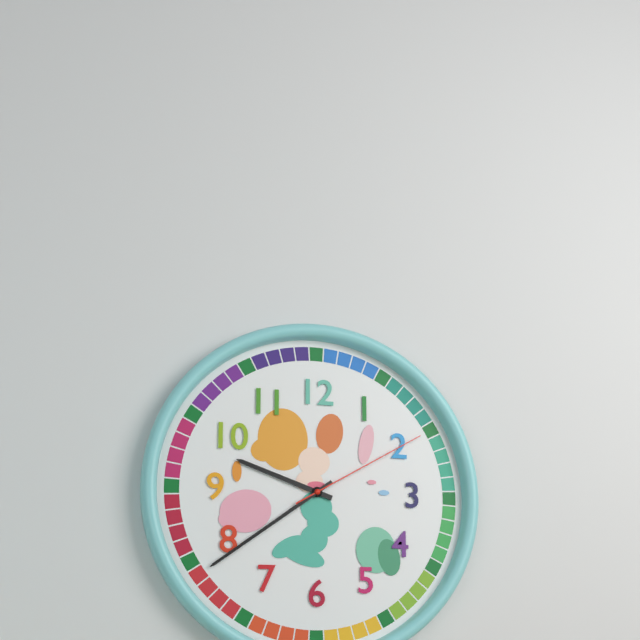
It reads 9:39:10
